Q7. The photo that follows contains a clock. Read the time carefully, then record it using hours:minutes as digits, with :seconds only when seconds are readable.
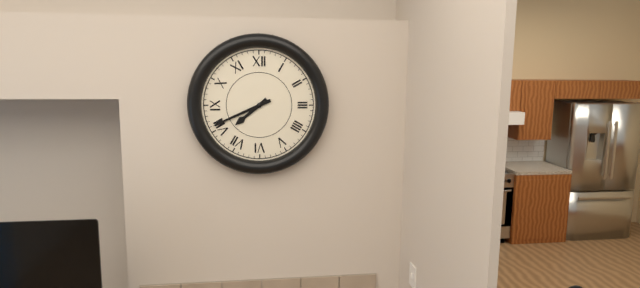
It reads 7:41
